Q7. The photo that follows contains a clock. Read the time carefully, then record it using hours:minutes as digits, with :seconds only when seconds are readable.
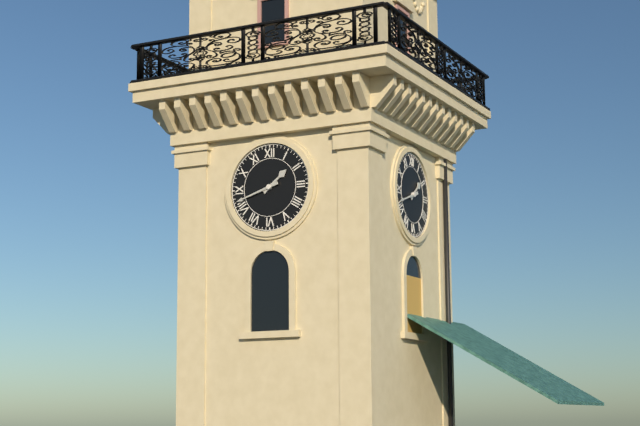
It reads 1:42
